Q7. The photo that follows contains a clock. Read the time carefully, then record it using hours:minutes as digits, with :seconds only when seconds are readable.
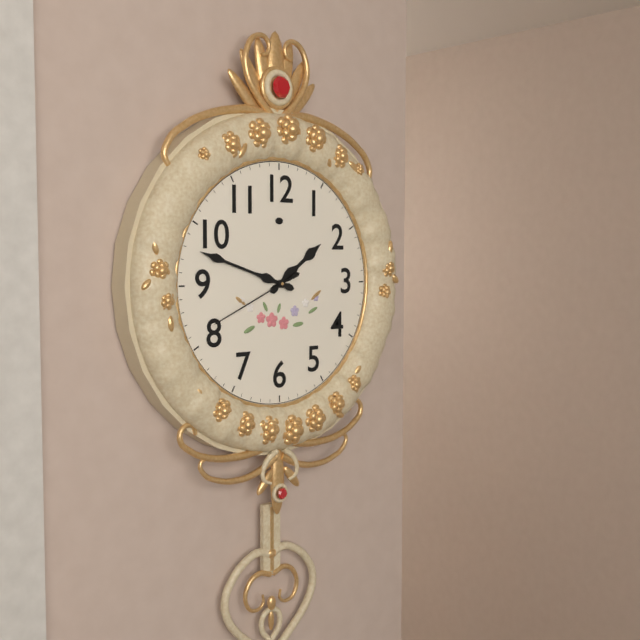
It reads 1:48:41
